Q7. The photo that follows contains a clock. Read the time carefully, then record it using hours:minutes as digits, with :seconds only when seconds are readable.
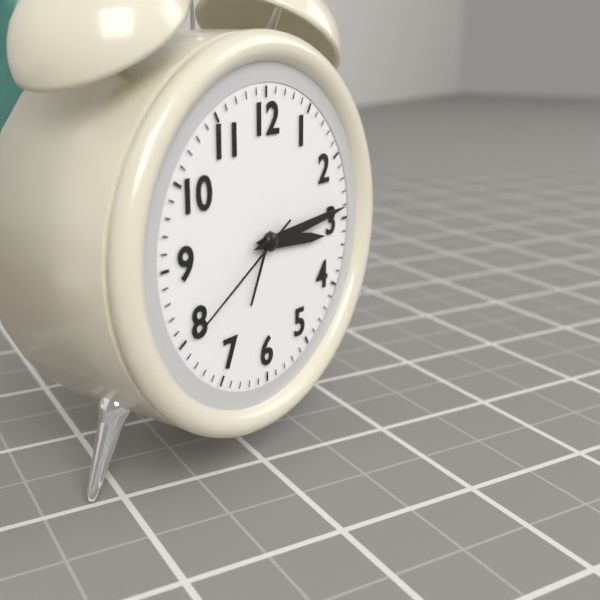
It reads 3:14:40
